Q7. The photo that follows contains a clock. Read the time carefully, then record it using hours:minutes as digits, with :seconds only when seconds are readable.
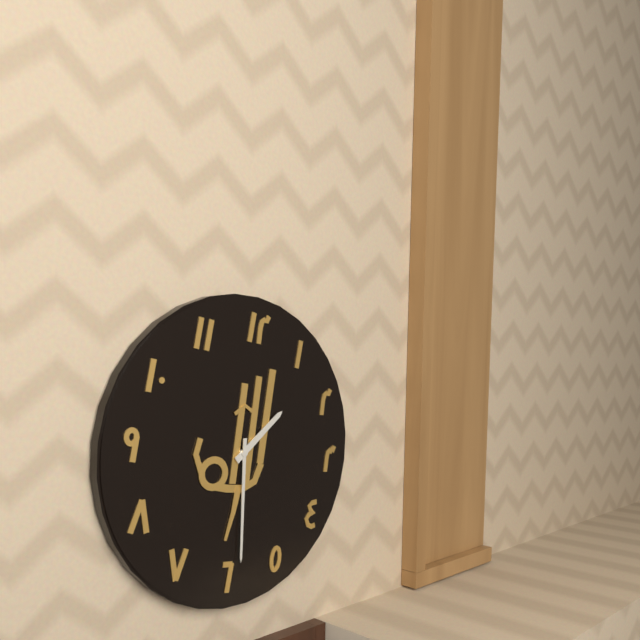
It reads 1:29
